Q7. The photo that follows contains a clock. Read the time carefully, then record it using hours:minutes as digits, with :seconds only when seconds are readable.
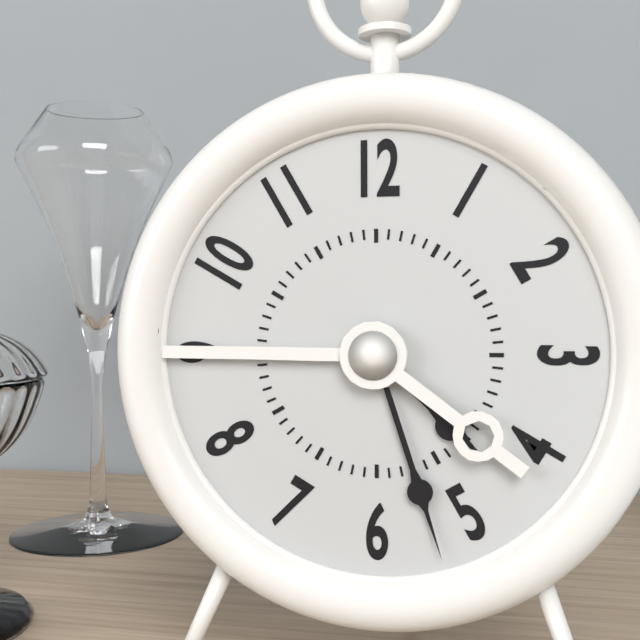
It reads 4:27
